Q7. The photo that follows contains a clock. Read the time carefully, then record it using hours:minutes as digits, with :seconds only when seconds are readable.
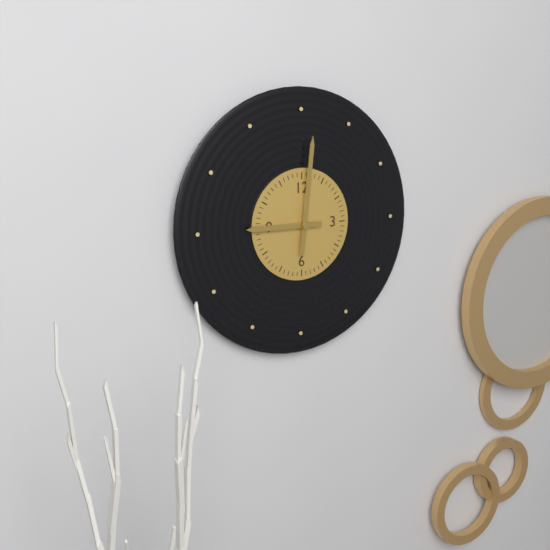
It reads 9:01
